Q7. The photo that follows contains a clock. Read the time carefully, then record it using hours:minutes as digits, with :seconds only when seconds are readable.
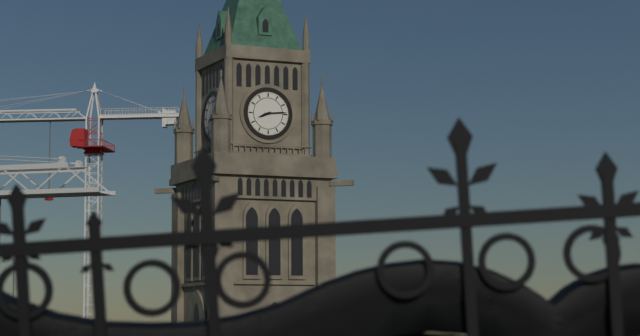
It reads 8:14
